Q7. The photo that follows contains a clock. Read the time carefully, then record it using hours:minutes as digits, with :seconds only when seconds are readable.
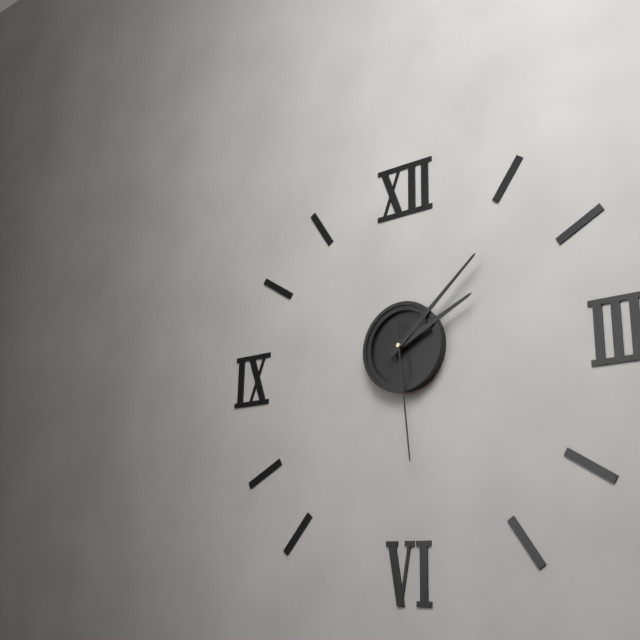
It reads 2:08:29
